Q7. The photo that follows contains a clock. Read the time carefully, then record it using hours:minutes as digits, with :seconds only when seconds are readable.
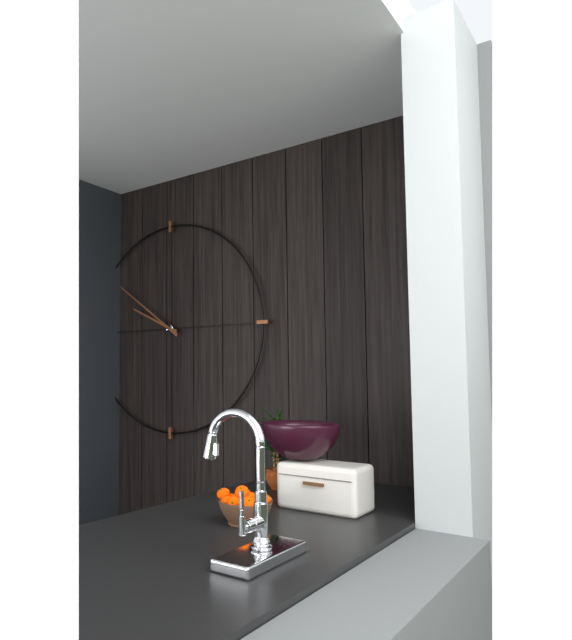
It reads 9:51
